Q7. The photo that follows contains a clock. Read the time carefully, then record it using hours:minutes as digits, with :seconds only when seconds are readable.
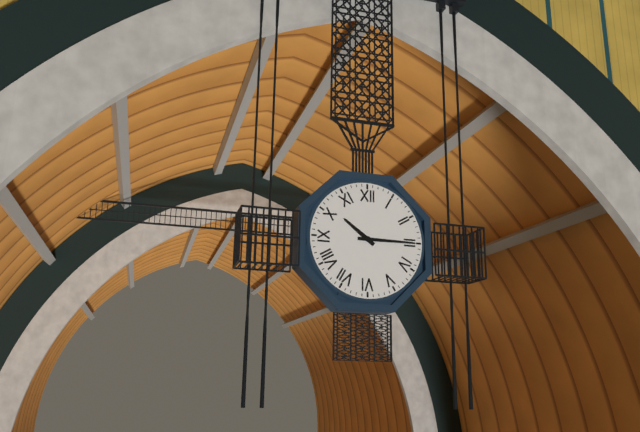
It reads 10:15
